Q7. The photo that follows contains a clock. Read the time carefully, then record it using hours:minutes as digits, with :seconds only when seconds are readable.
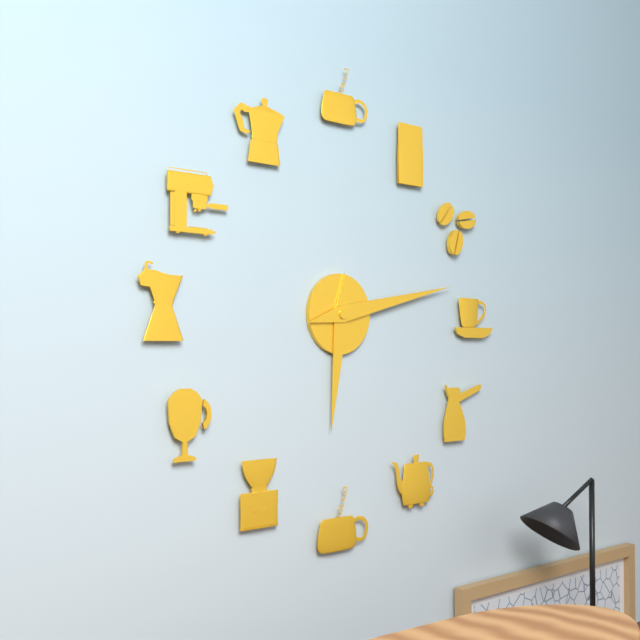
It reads 6:13
